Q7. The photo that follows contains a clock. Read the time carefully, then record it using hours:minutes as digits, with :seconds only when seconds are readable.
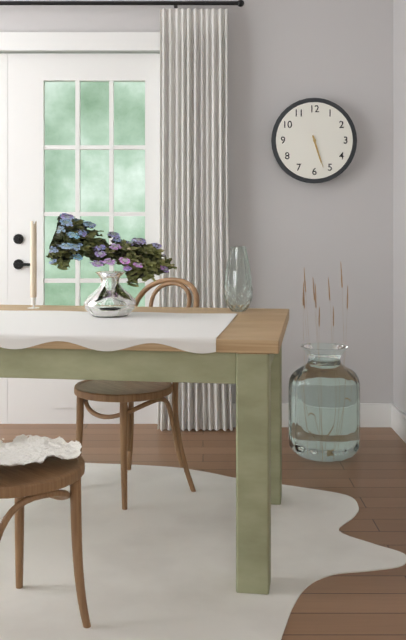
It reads 5:27
